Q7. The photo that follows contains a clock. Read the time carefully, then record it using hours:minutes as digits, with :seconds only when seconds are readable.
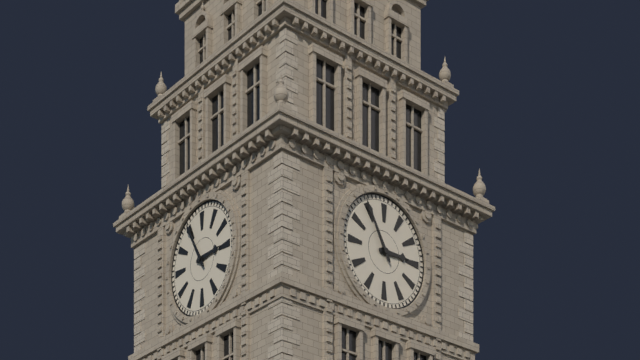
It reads 2:55
